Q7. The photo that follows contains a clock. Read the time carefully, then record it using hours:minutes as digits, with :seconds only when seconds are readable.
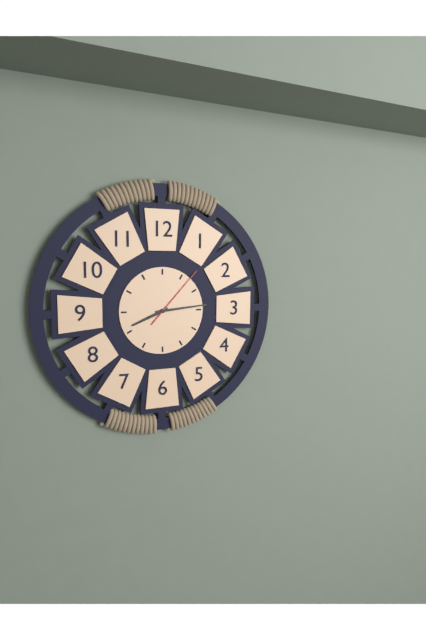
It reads 8:14:07
